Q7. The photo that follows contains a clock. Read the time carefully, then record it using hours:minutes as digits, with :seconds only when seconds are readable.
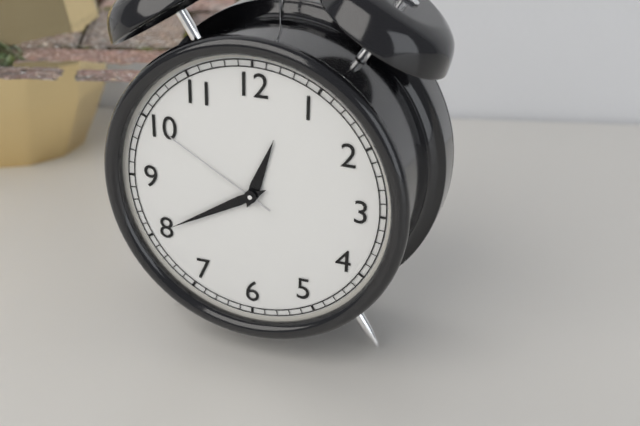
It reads 12:40:50
